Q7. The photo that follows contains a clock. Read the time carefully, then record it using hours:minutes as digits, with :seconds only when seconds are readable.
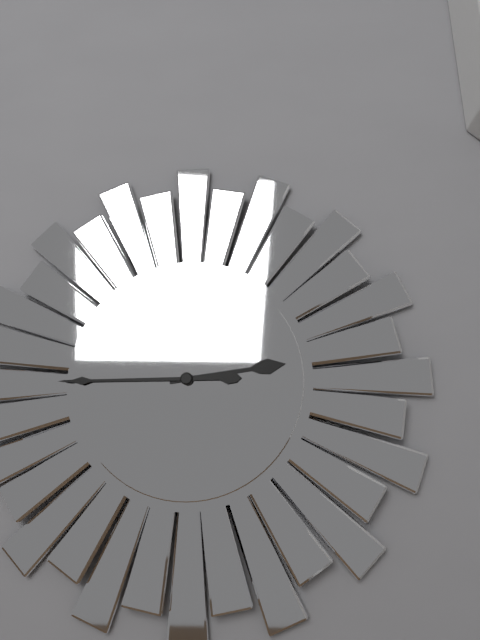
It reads 2:45
